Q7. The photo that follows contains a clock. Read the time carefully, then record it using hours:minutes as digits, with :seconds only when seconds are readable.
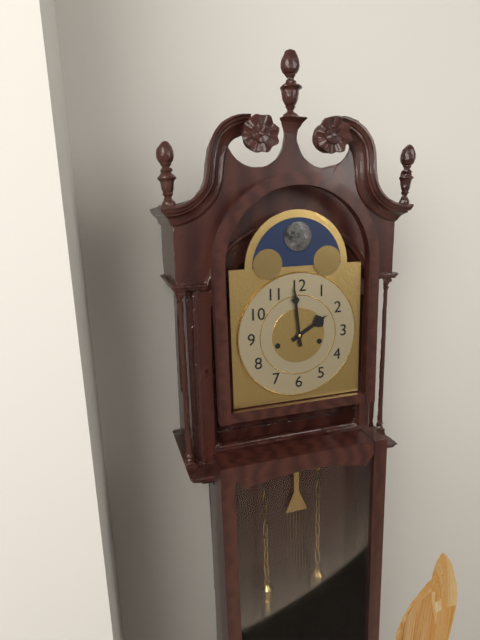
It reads 1:59
